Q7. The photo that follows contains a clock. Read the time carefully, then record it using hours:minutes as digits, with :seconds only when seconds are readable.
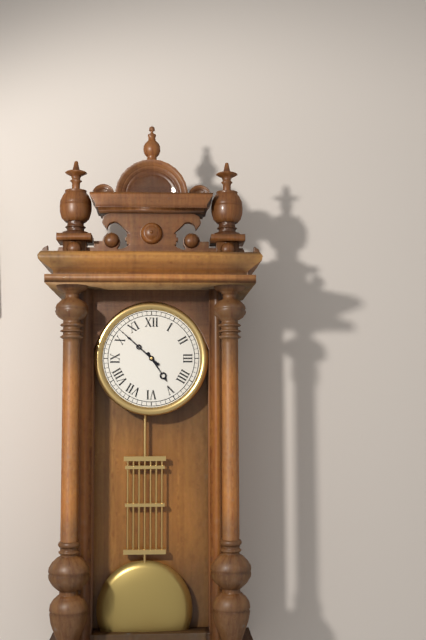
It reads 4:52
